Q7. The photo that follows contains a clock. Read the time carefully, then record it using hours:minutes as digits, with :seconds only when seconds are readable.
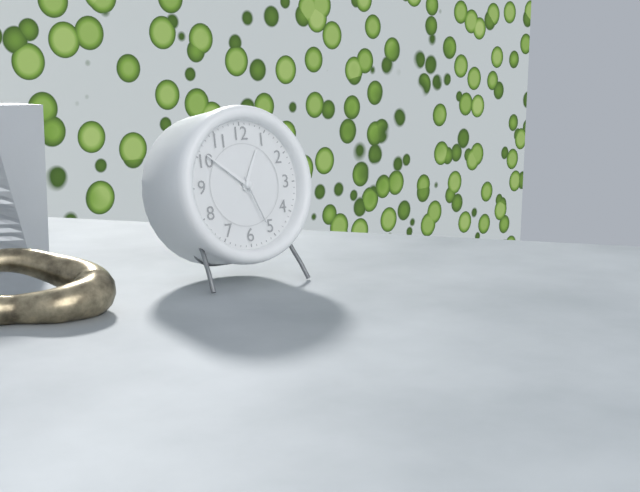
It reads 12:51:26
